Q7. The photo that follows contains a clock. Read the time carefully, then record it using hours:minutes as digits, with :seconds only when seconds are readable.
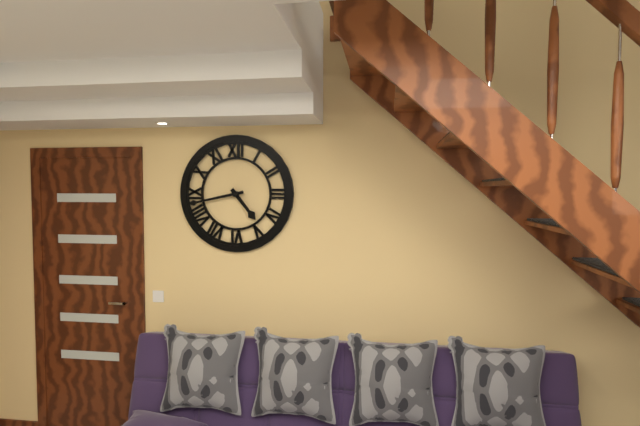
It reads 4:43
